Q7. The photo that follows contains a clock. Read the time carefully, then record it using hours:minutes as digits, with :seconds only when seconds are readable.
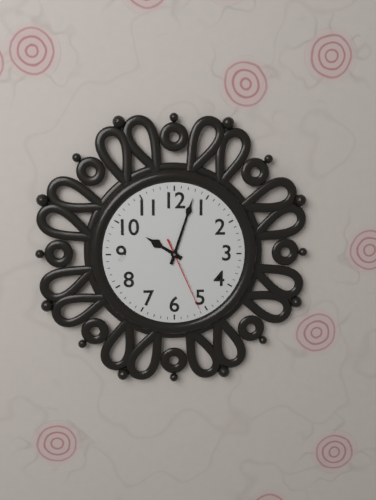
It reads 10:03:26
